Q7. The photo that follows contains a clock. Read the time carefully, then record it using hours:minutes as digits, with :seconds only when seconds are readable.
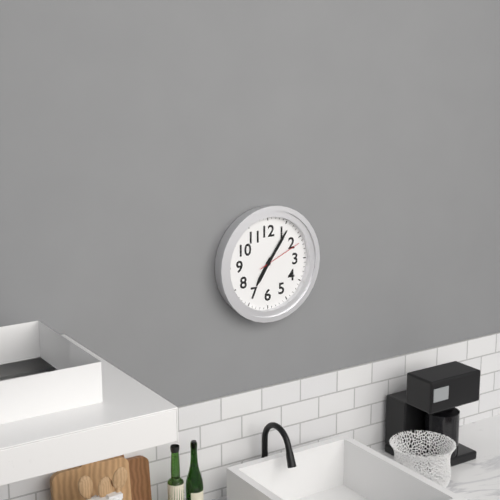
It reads 7:06
